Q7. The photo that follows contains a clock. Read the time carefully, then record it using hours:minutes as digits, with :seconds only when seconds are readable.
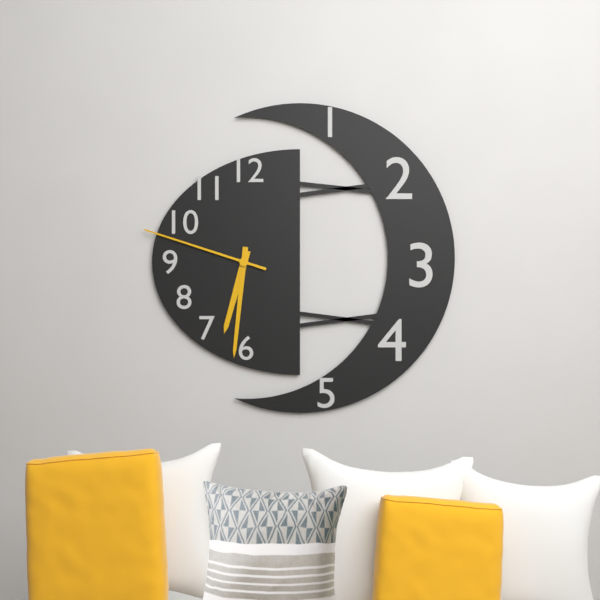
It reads 6:31:48
